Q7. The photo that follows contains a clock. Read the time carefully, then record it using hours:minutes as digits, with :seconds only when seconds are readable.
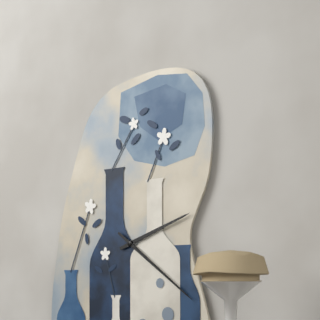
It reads 2:21
